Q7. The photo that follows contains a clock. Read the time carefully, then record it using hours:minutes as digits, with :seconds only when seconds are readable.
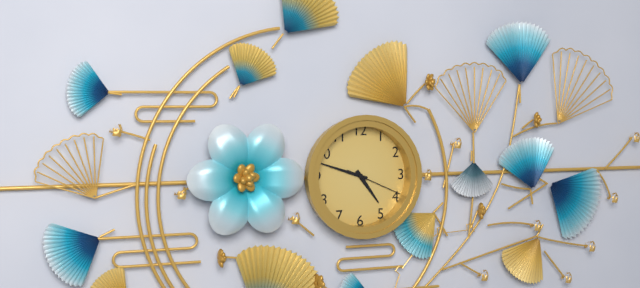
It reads 4:48:19
